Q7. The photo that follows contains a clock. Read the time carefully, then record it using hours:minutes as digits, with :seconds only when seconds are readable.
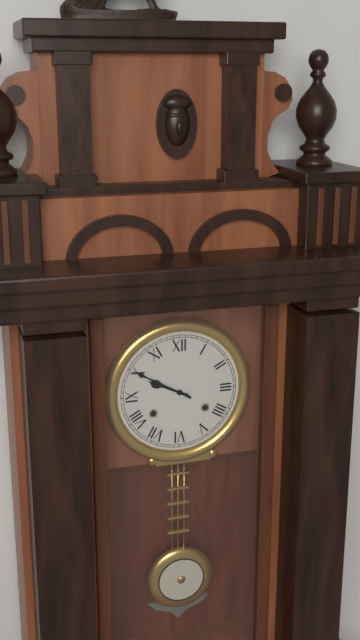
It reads 9:50
